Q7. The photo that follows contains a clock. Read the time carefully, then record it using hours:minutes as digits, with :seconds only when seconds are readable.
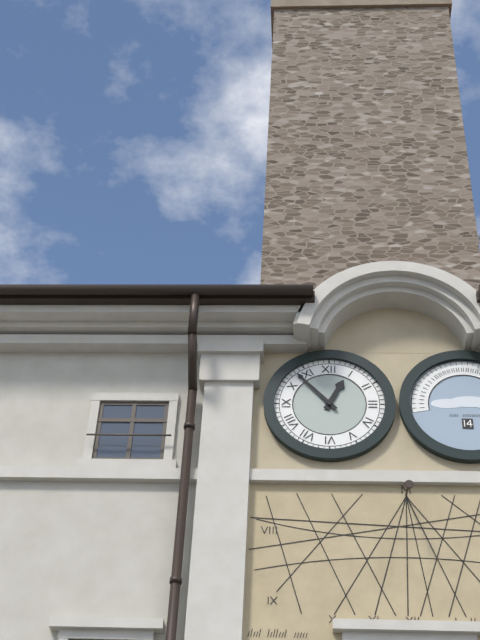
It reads 12:53
